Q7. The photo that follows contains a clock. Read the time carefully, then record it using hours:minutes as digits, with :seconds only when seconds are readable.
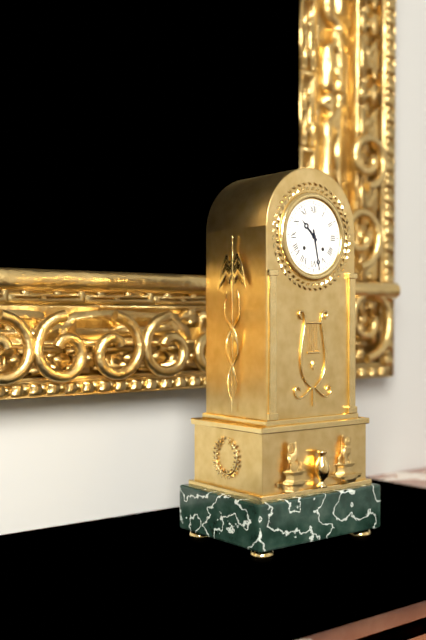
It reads 10:28
